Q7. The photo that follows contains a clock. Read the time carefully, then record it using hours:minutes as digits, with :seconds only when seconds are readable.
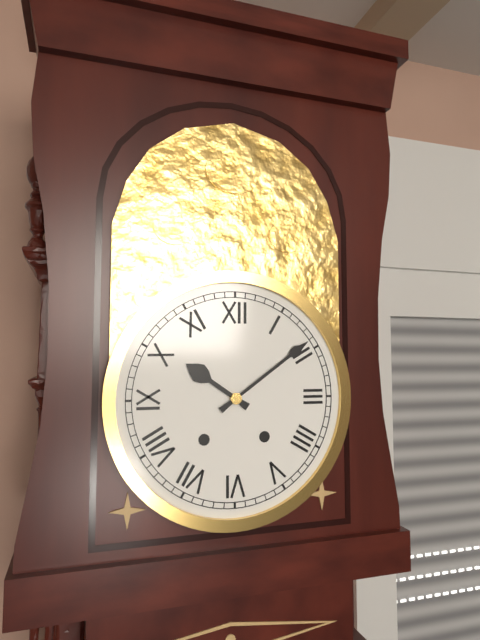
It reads 10:09
